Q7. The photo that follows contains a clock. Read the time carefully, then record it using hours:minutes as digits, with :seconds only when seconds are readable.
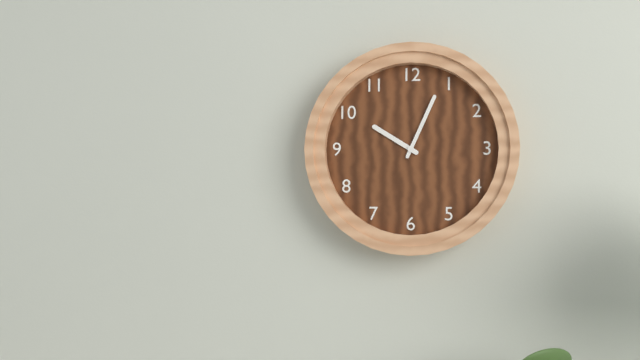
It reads 10:04
